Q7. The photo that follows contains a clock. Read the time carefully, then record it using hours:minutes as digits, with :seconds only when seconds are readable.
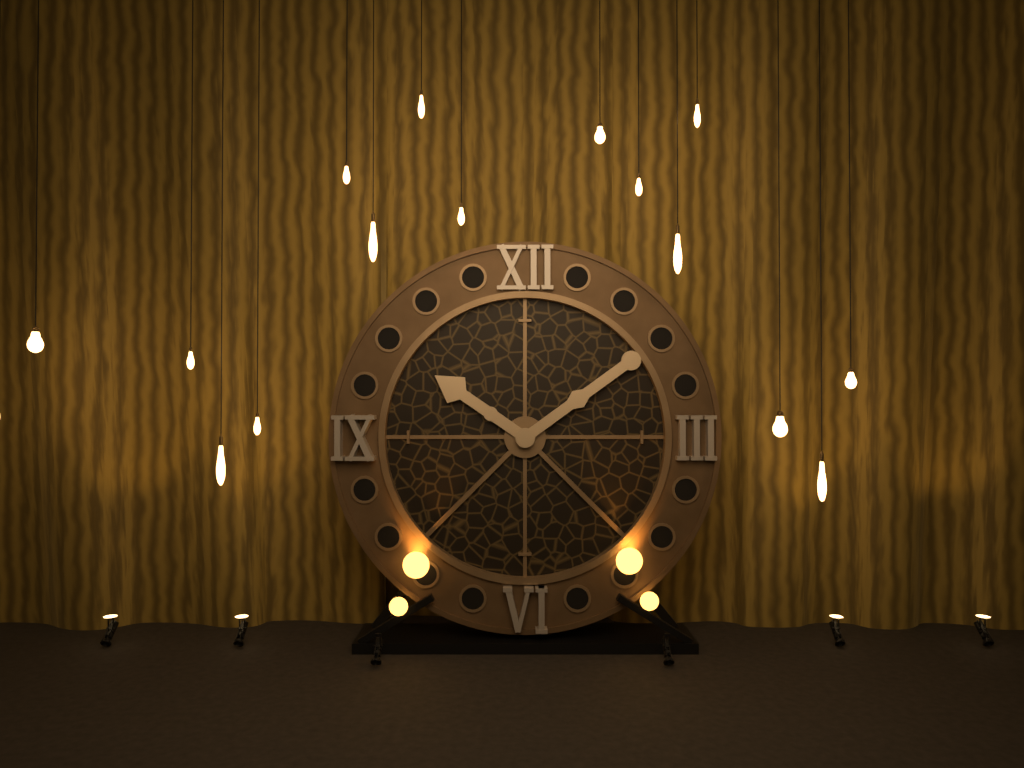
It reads 10:09
